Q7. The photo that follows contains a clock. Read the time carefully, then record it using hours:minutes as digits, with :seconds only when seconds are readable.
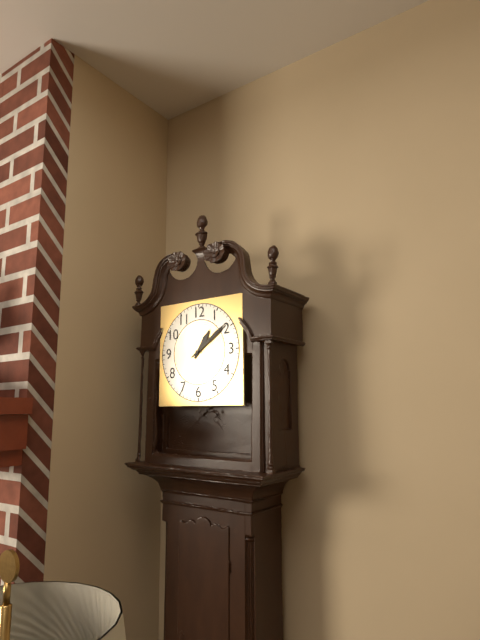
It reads 1:09
